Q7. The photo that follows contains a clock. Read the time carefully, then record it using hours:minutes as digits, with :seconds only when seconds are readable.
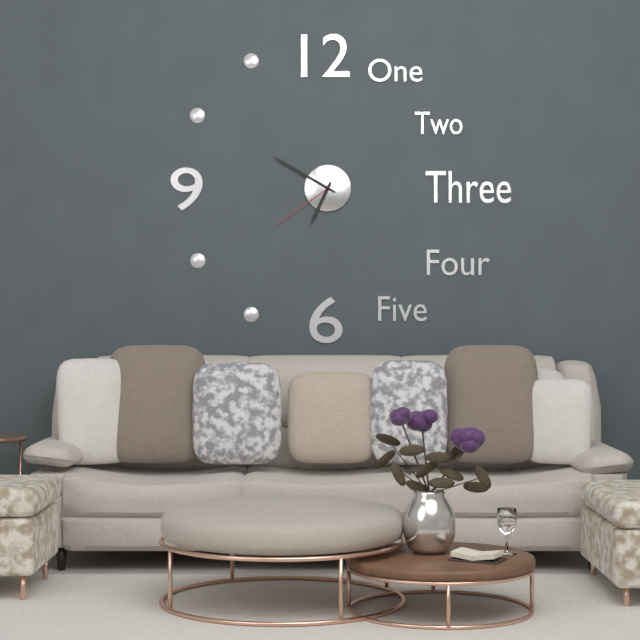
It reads 6:50:39
